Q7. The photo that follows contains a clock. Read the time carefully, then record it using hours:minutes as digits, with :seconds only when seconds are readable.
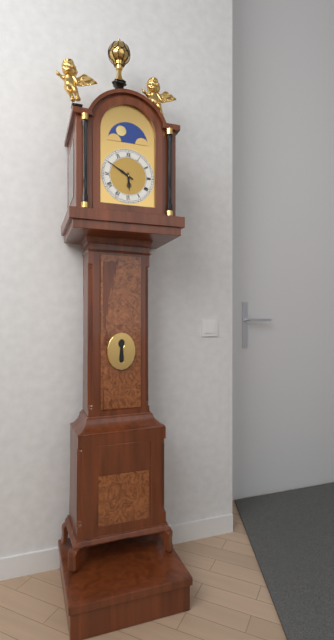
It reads 5:50
